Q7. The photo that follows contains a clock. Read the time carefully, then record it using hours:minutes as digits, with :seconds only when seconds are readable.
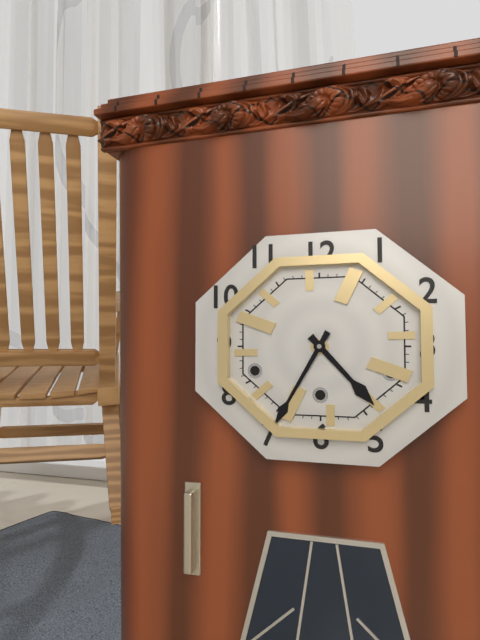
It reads 4:35
